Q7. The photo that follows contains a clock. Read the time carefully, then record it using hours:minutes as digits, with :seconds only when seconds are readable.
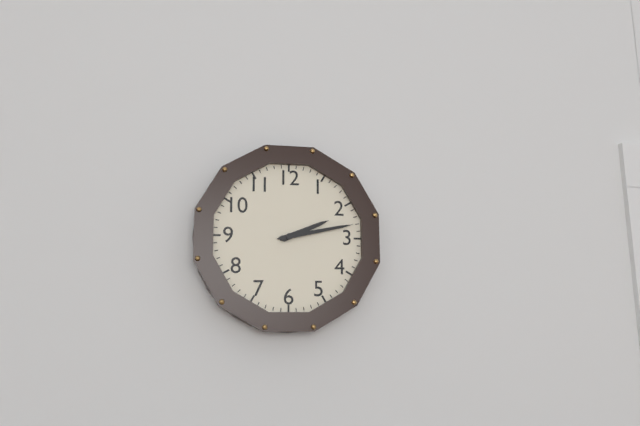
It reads 2:13
